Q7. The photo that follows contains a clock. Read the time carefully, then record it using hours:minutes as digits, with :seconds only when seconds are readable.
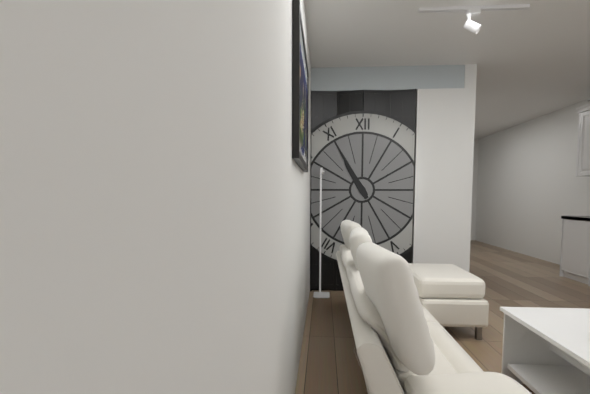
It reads 10:55
